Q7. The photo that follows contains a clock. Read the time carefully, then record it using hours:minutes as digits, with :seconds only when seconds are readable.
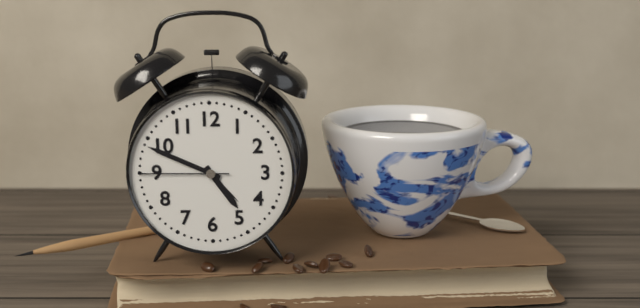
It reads 4:49:45
